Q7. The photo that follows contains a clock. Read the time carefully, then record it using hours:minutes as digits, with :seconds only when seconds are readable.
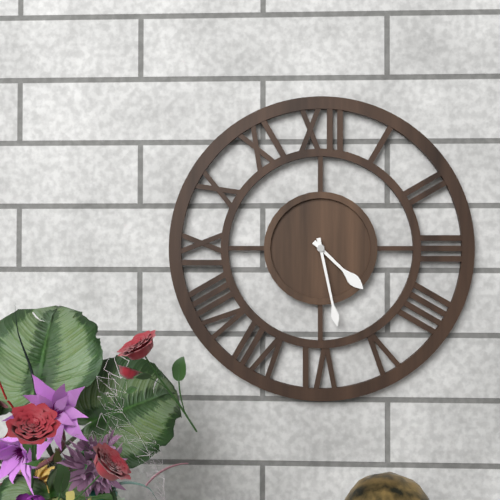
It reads 4:28
